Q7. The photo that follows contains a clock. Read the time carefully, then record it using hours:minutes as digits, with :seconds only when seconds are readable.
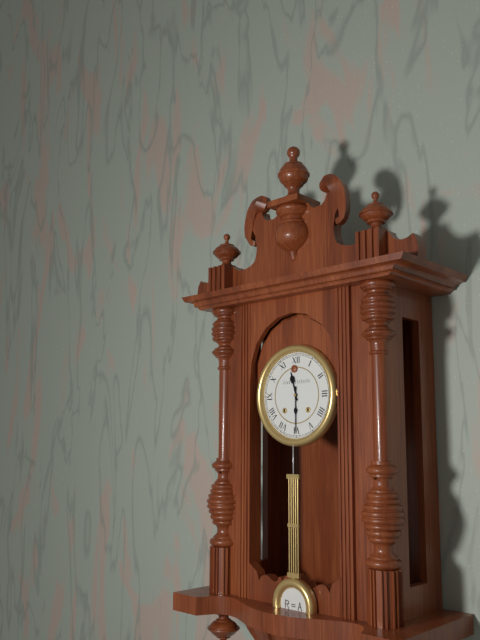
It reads 11:30
